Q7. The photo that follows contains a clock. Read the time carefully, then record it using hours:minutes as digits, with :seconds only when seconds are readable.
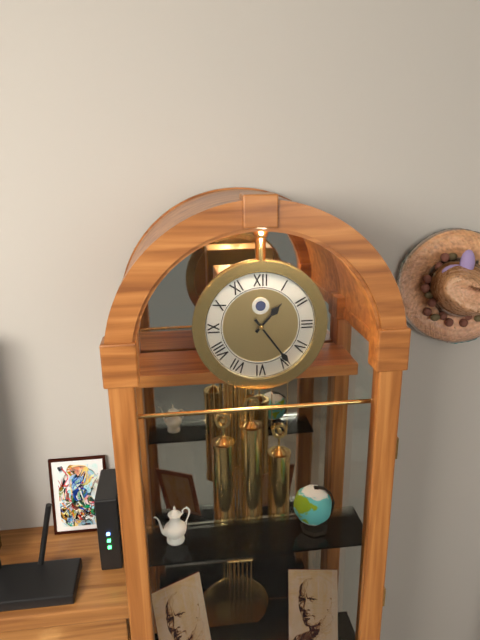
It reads 1:24
